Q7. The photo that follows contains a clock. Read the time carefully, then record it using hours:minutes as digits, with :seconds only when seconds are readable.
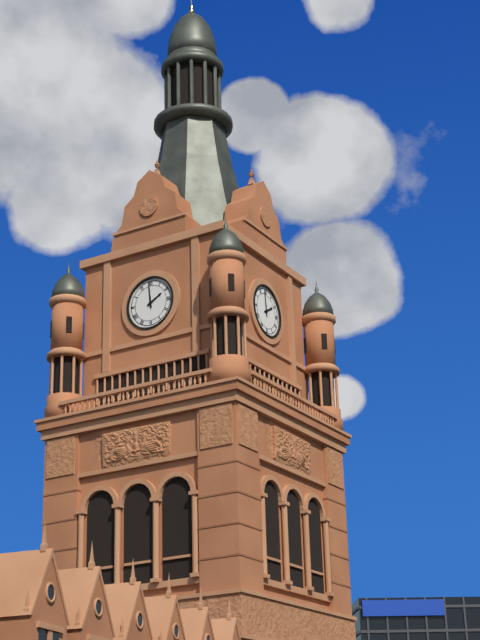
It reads 1:59
